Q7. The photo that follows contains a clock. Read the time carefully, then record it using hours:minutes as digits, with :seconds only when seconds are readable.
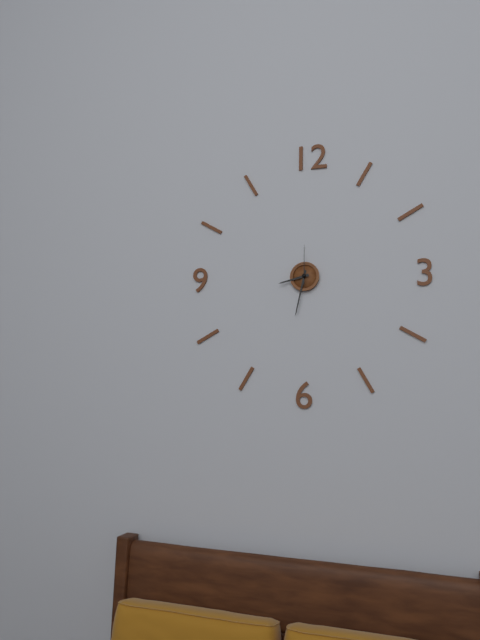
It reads 8:32
